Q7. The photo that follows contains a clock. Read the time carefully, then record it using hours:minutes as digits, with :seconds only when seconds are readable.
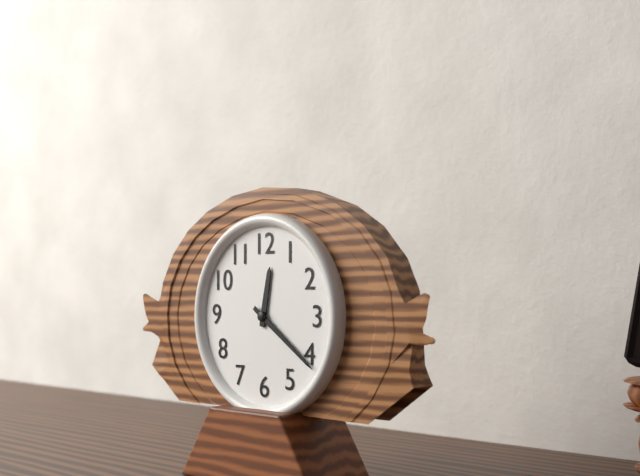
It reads 12:21
